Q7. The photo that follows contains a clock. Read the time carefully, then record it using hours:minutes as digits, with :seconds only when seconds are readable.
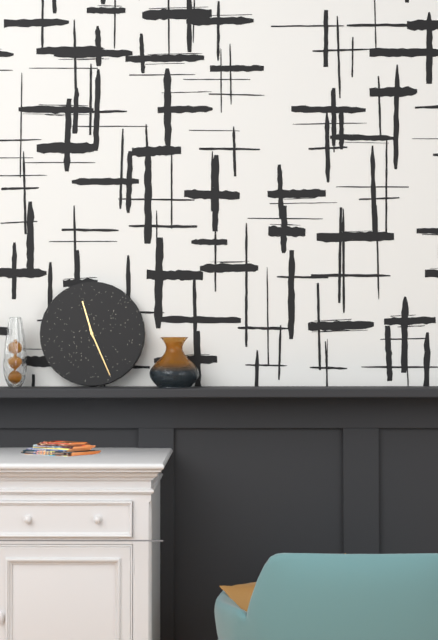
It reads 11:26
